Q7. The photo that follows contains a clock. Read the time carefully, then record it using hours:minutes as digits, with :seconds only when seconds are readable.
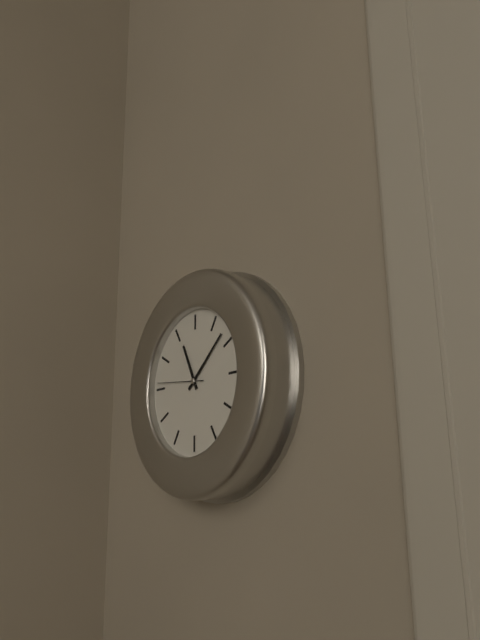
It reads 11:08
